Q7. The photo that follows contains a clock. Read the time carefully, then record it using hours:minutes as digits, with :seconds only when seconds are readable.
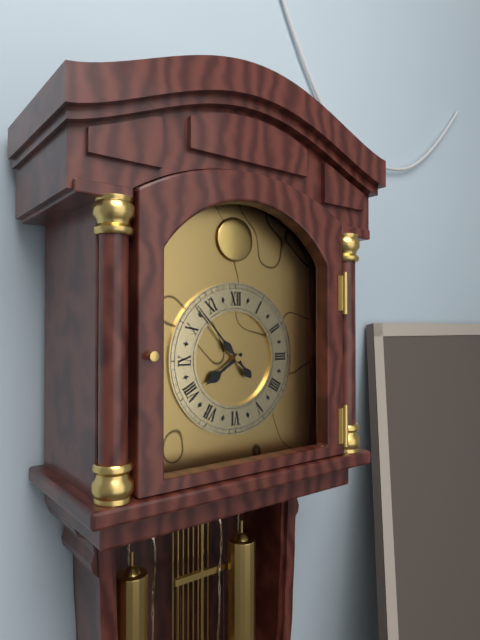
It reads 7:53
